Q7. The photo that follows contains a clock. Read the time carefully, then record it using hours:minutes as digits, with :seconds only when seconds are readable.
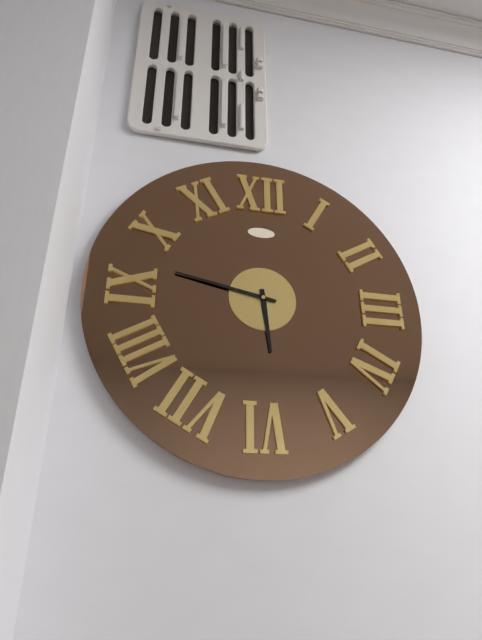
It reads 5:47
